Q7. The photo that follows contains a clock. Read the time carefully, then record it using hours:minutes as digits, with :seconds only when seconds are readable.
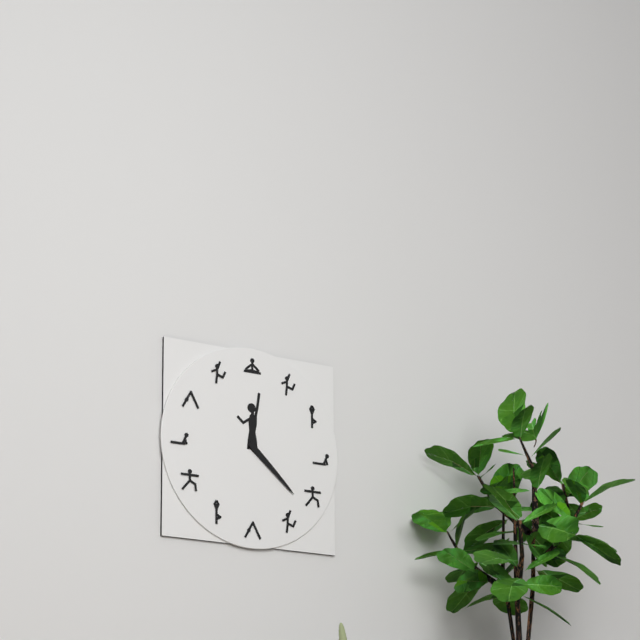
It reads 4:22
